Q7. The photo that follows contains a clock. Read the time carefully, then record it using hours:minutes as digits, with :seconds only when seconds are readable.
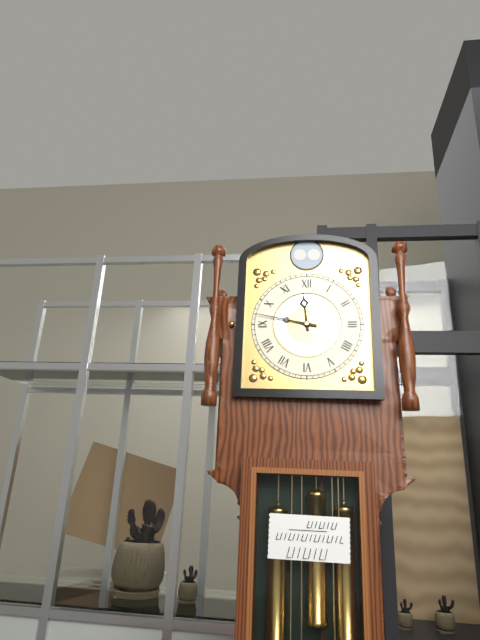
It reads 11:47
